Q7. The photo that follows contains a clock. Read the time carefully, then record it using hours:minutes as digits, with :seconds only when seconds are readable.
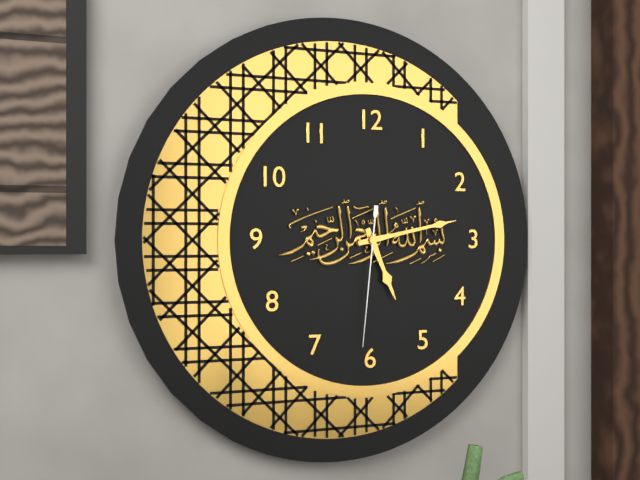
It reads 5:13:31
